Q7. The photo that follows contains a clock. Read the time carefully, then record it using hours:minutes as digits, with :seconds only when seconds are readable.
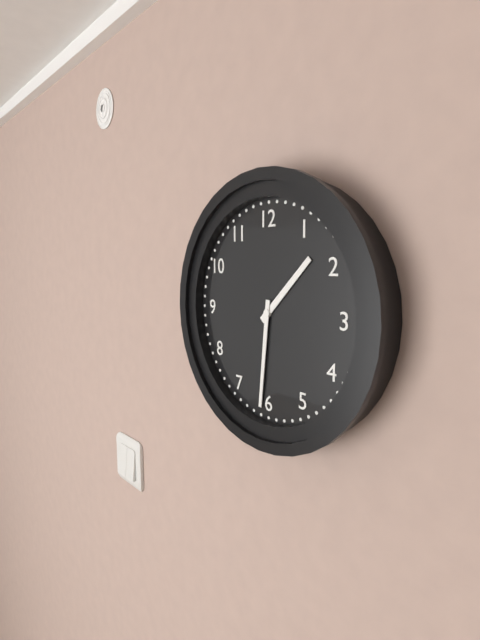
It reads 1:31
